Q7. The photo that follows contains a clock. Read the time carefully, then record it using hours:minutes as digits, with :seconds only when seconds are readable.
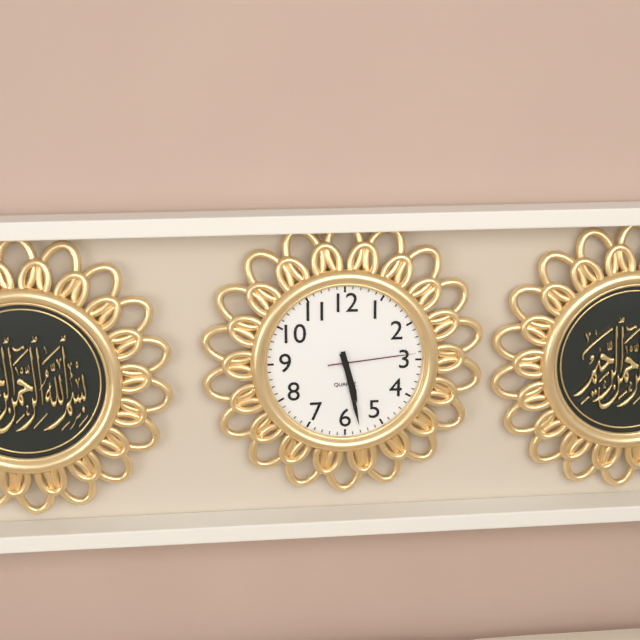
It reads 5:28:14
